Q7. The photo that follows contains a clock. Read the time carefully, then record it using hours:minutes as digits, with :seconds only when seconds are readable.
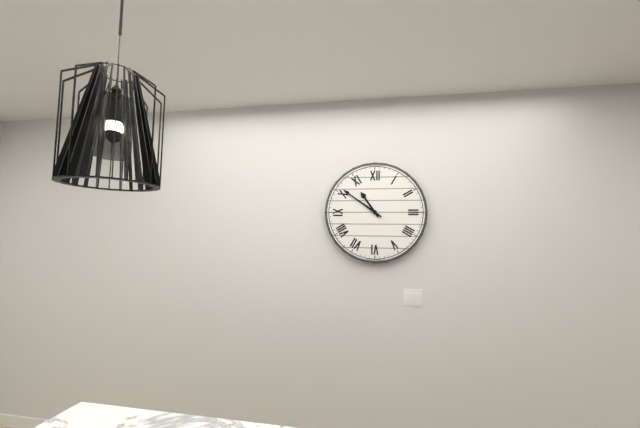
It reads 10:51
